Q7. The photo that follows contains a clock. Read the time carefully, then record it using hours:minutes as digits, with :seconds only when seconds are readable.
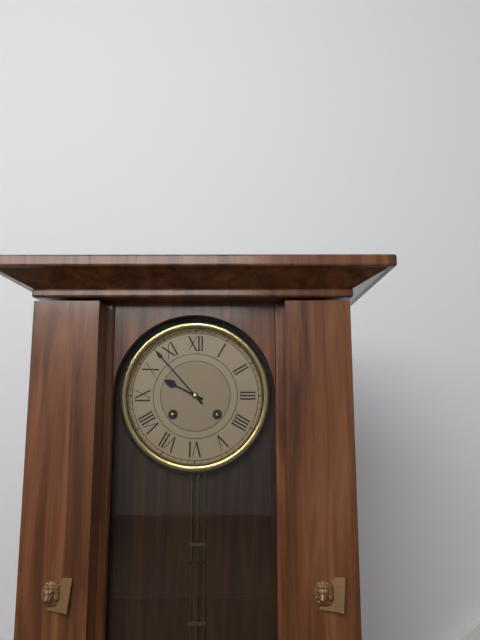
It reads 9:53
